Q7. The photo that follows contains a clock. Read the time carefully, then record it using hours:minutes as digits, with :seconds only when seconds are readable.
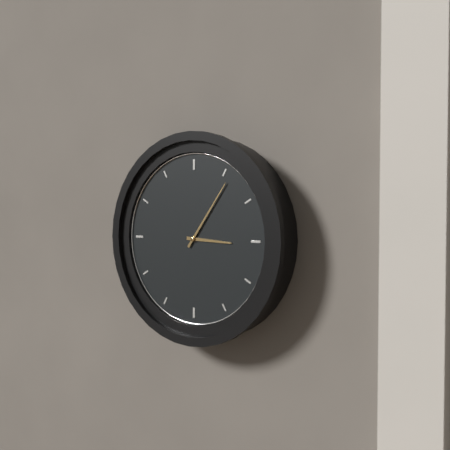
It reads 3:06
